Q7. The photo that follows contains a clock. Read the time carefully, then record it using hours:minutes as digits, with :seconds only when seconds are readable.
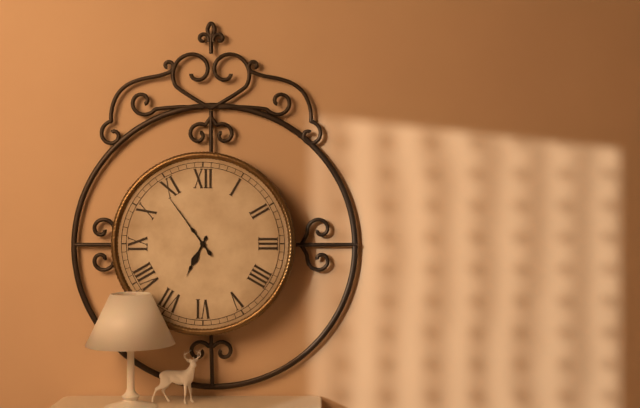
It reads 6:54
